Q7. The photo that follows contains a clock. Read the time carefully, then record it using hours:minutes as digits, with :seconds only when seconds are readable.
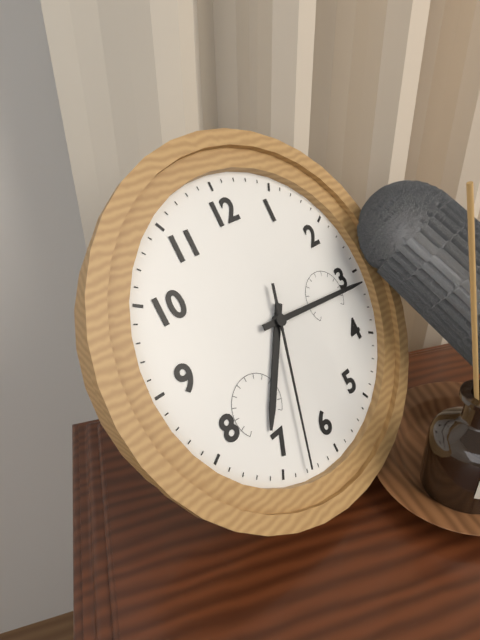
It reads 7:16:33
